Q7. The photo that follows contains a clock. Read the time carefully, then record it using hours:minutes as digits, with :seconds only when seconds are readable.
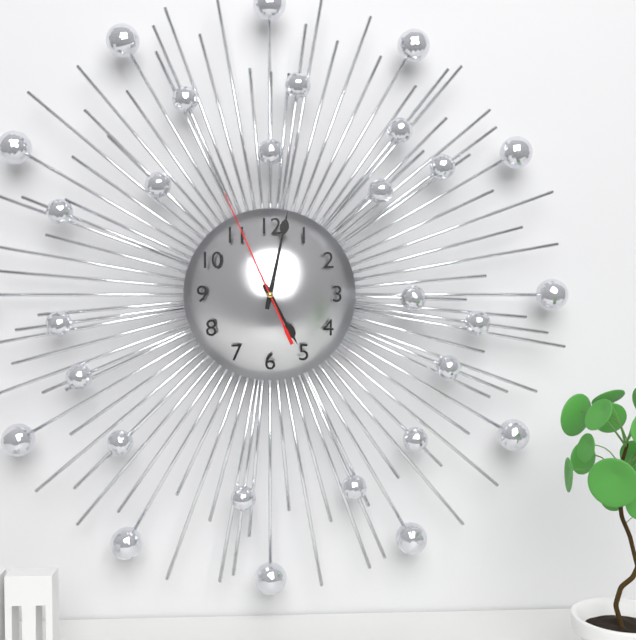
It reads 5:02:56
